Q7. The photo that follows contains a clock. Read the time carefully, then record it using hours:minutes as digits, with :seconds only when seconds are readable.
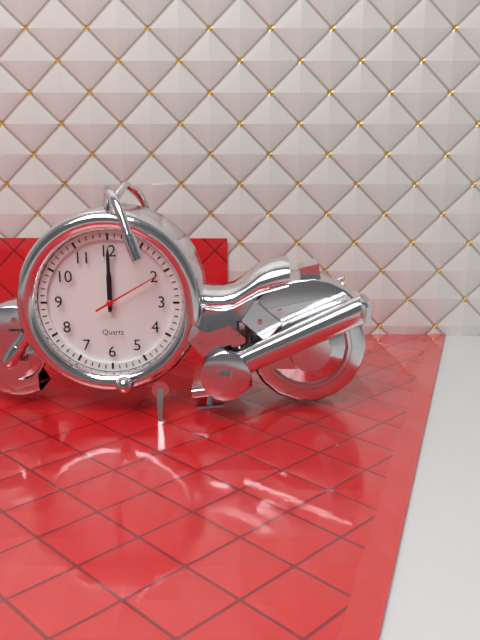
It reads 12:00:10
